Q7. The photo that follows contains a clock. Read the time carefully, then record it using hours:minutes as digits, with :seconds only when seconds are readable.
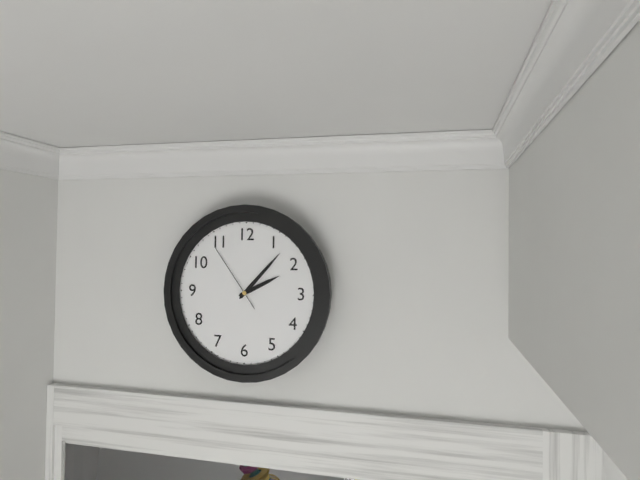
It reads 2:07:54
